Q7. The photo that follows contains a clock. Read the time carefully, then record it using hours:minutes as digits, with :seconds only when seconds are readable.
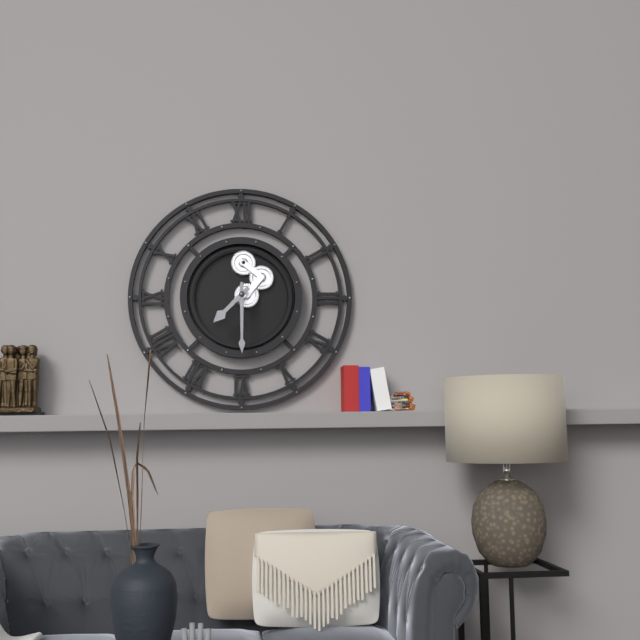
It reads 7:30
